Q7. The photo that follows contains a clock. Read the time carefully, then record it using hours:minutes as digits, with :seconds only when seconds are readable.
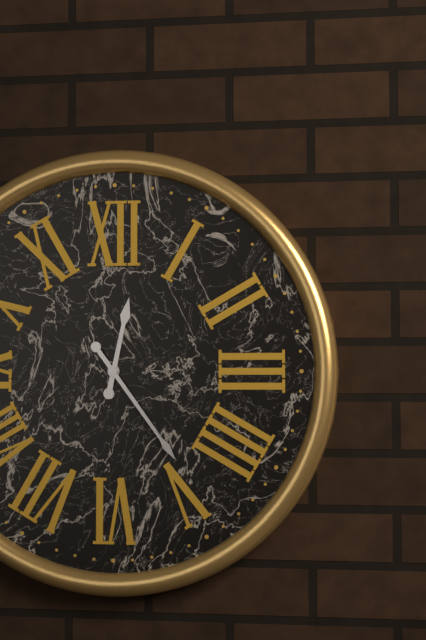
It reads 12:24
